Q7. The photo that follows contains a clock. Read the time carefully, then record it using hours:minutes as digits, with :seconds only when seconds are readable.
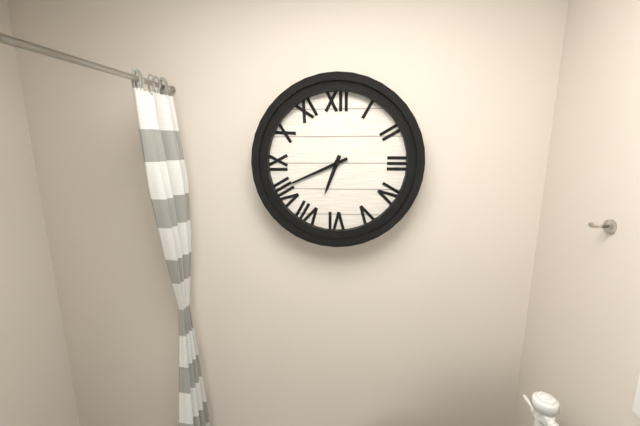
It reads 6:41
